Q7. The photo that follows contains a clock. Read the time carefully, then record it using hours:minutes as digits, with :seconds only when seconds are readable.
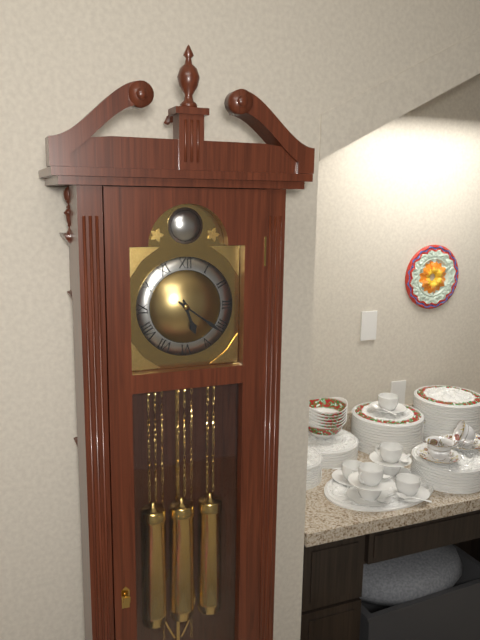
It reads 5:21
